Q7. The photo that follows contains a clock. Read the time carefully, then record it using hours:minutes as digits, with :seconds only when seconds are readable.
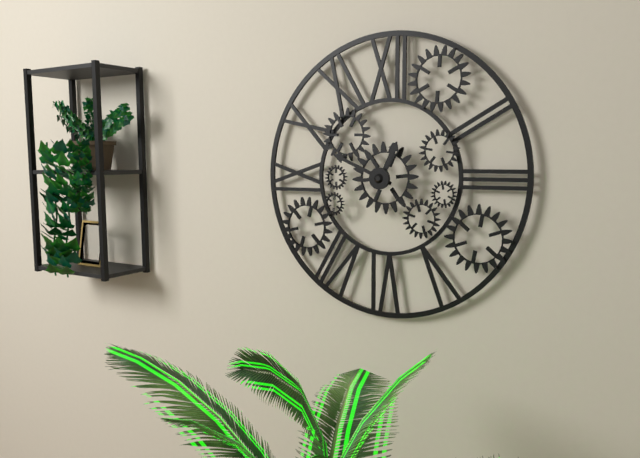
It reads 12:49
